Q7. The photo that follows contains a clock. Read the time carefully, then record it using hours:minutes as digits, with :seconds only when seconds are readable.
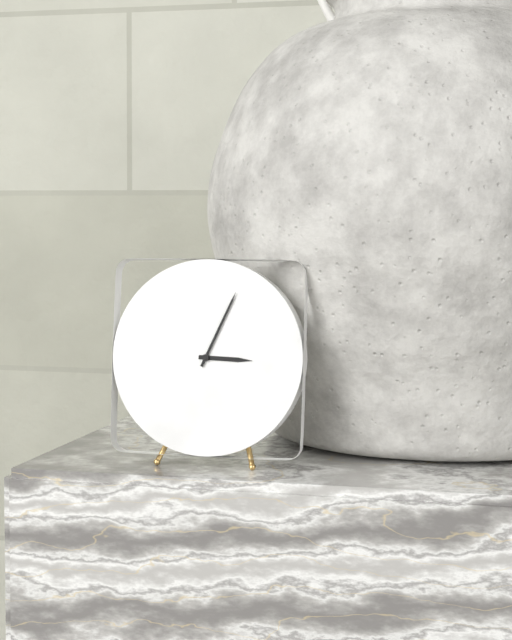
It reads 3:04
